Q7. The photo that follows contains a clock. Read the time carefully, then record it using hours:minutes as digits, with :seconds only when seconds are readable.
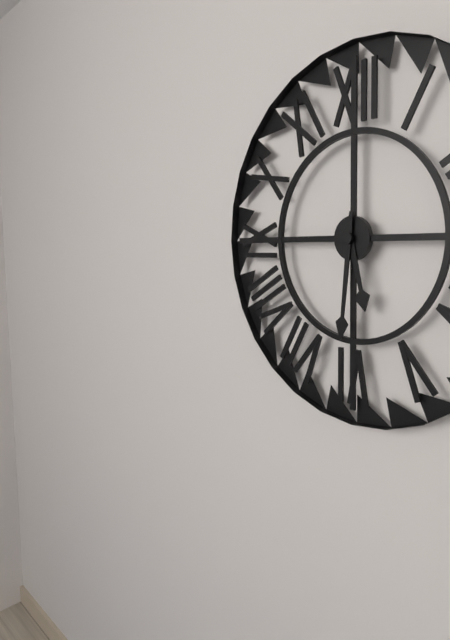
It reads 5:31
